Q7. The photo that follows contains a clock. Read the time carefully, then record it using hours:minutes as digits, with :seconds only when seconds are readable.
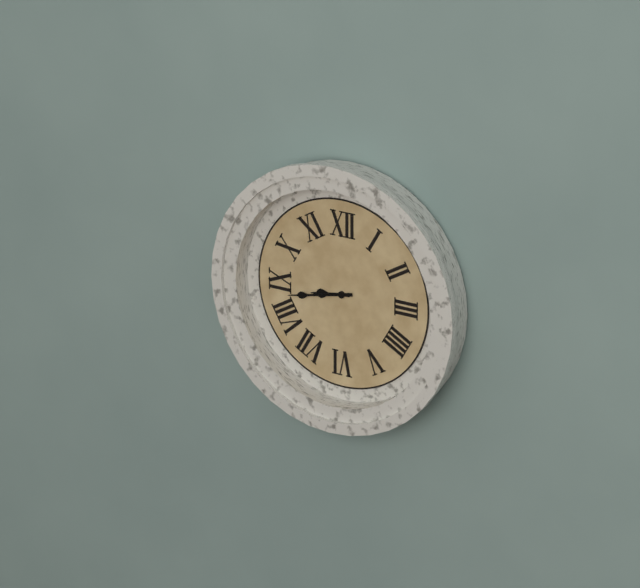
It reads 8:43
